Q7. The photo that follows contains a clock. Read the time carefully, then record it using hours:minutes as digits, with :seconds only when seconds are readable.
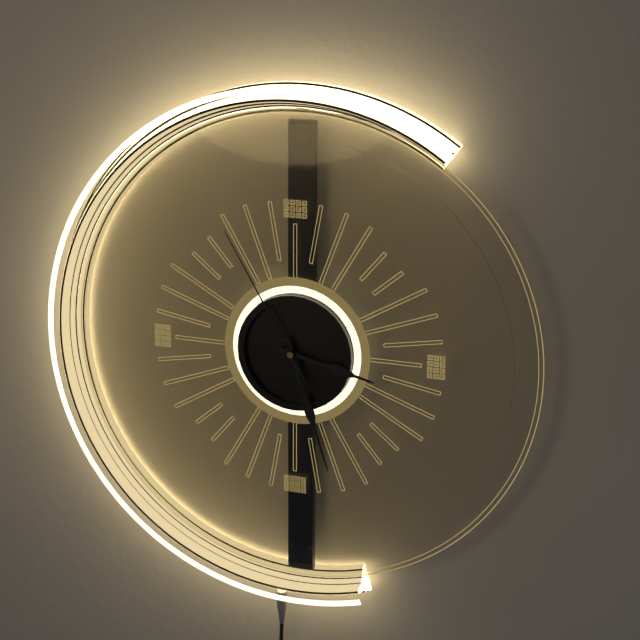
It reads 3:27:55
